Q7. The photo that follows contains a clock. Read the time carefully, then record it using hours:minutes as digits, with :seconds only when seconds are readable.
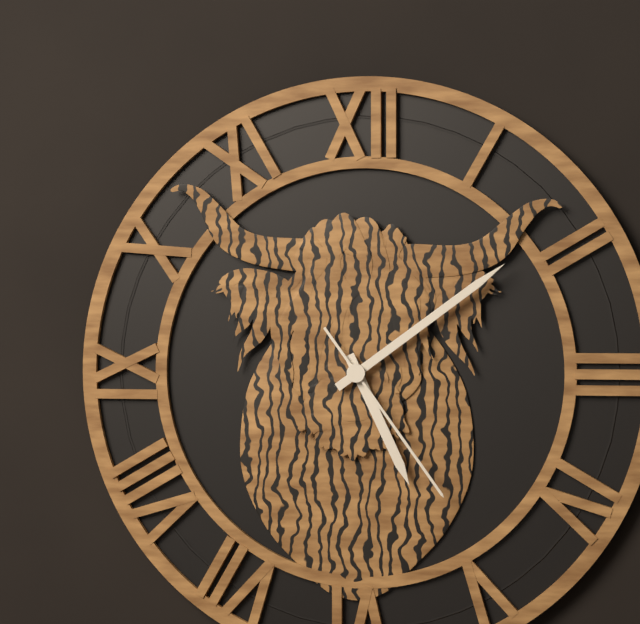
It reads 5:09:24
